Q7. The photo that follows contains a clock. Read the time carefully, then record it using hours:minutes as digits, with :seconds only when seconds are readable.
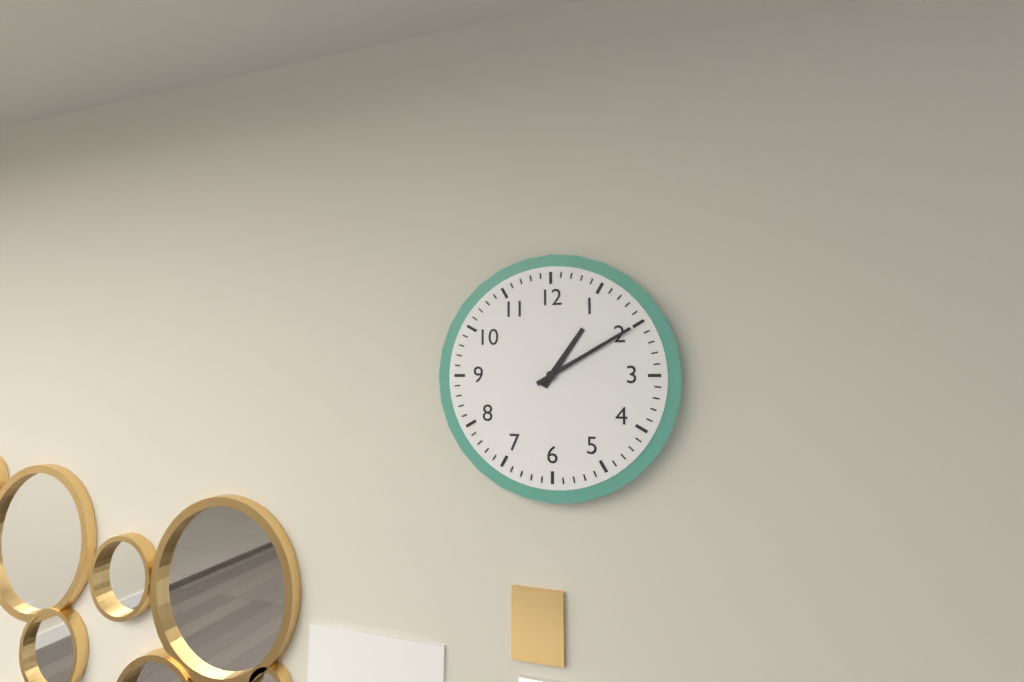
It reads 1:10
